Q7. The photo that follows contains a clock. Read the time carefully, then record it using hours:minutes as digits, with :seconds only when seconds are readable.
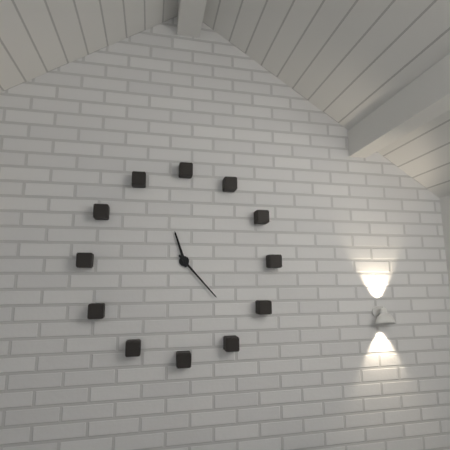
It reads 11:23
